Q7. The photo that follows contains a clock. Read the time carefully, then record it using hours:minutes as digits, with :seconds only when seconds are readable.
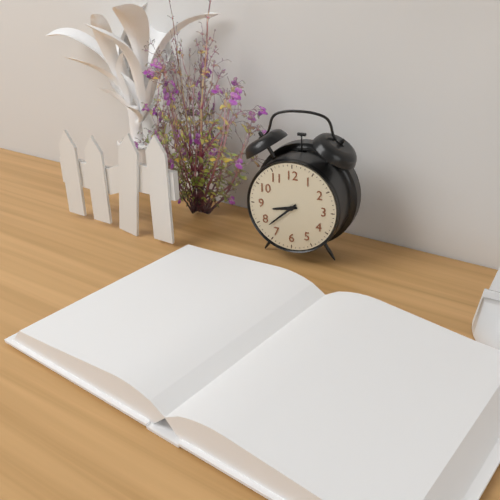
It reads 8:38
